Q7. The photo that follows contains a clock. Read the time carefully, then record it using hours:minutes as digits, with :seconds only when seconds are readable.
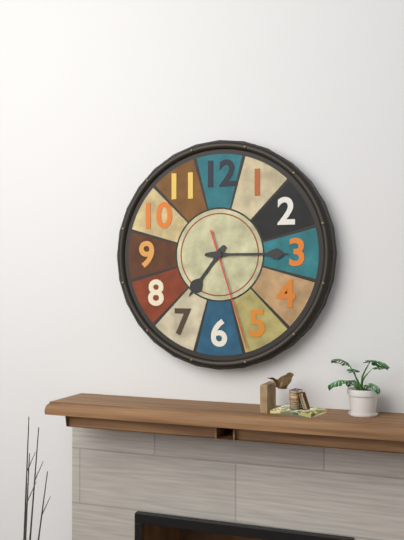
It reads 7:15:27
